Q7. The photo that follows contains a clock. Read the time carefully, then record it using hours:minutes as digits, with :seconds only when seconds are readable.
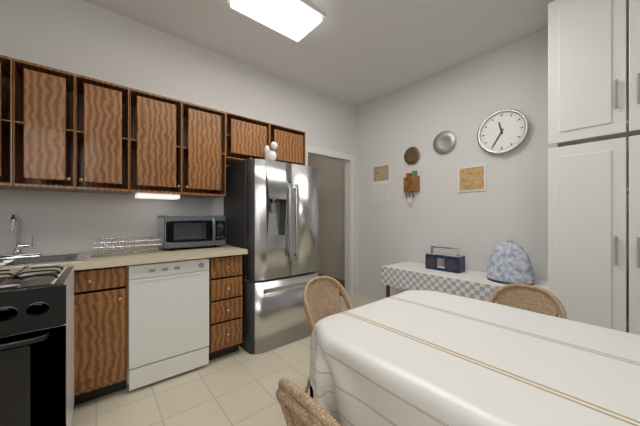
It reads 11:35
